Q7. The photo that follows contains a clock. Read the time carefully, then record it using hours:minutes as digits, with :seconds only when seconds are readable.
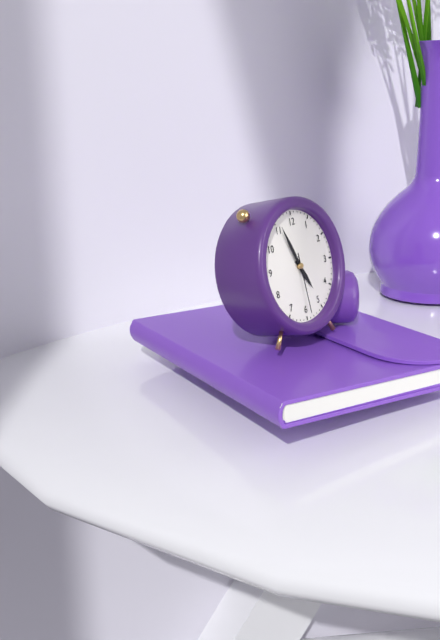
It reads 4:56:29
